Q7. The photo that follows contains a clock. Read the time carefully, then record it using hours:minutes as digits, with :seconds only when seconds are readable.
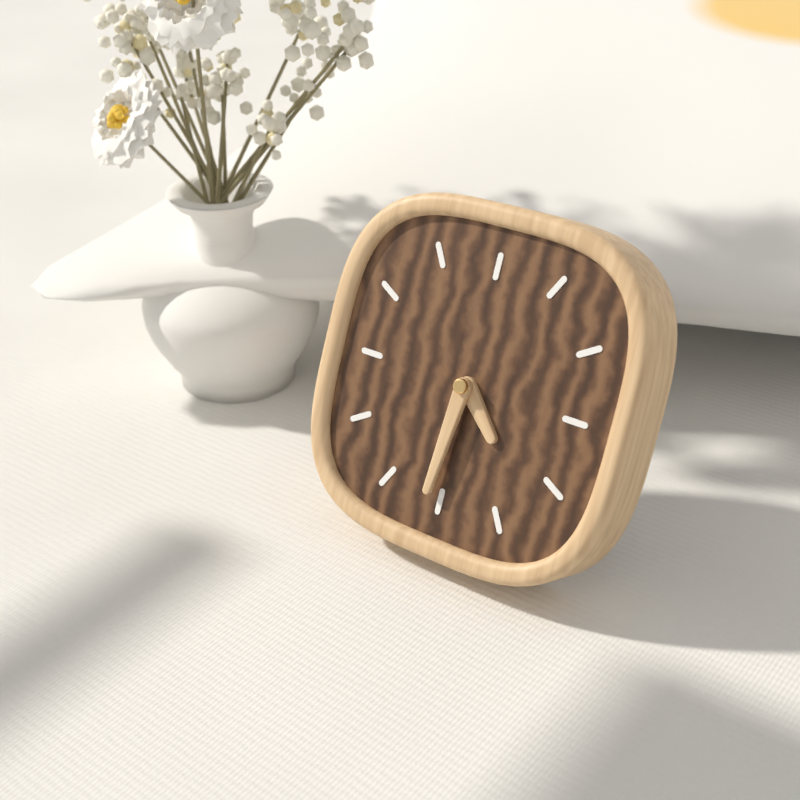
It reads 4:31
